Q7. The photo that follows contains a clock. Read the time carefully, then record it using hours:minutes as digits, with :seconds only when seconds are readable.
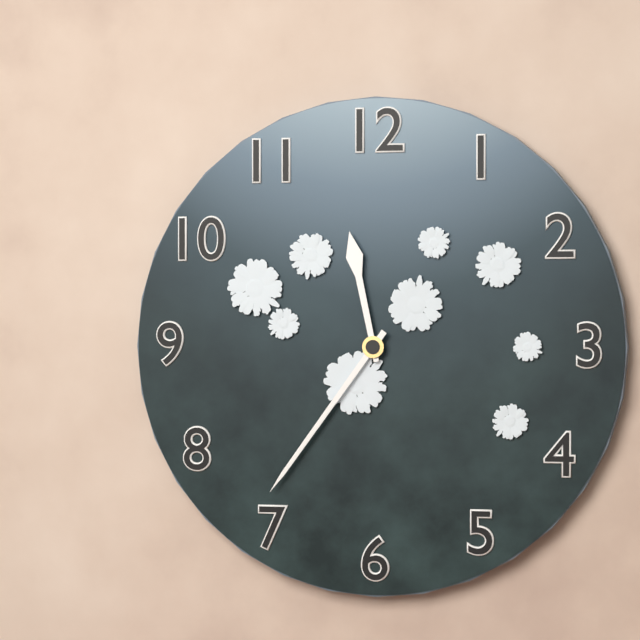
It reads 11:36
